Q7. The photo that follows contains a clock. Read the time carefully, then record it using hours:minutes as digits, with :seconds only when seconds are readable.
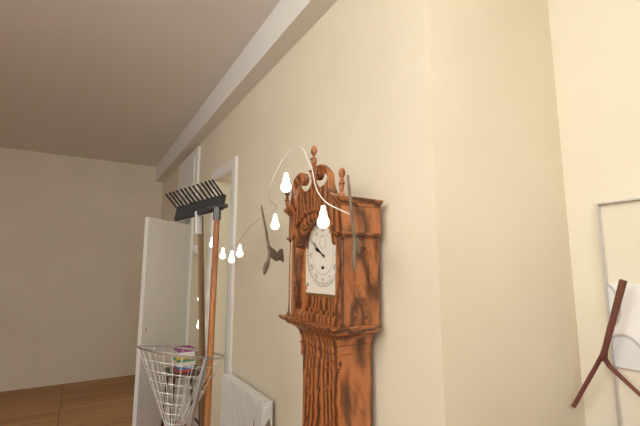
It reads 9:51
